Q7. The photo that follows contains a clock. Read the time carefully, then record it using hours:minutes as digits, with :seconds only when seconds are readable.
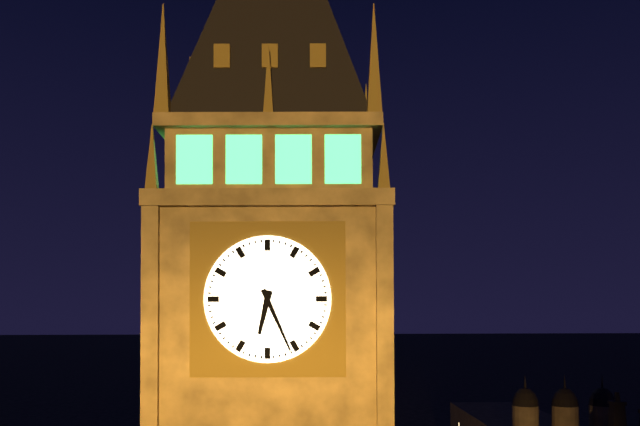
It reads 6:26
